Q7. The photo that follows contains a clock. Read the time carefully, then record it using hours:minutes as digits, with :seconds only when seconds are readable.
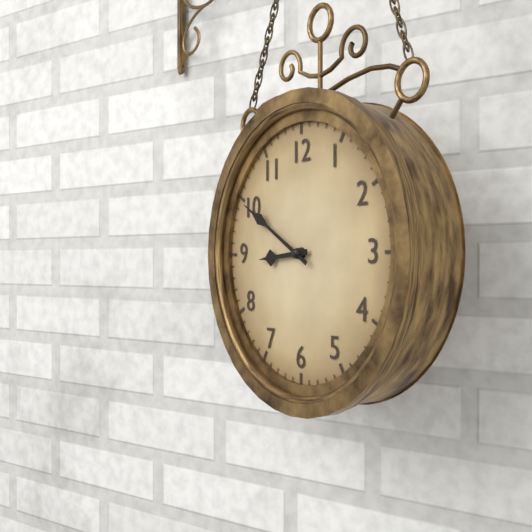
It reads 8:50
